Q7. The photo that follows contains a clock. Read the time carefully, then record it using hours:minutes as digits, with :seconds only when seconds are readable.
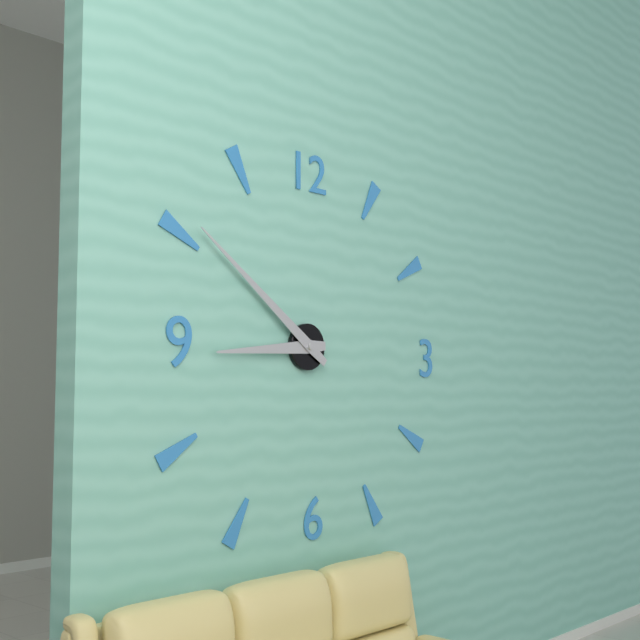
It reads 8:51
